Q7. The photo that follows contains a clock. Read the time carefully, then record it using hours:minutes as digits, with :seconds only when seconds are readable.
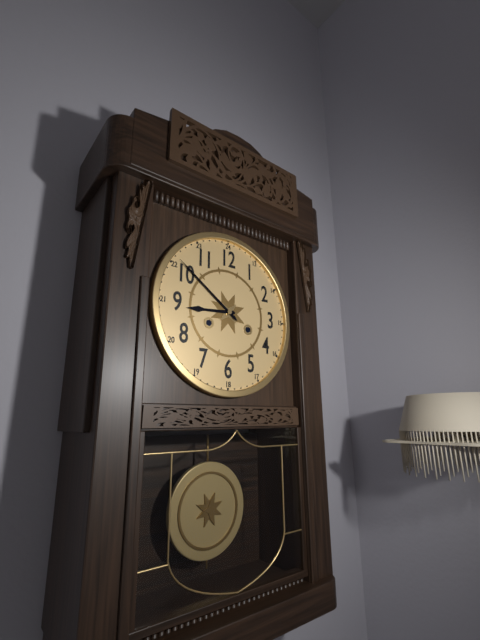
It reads 8:51
